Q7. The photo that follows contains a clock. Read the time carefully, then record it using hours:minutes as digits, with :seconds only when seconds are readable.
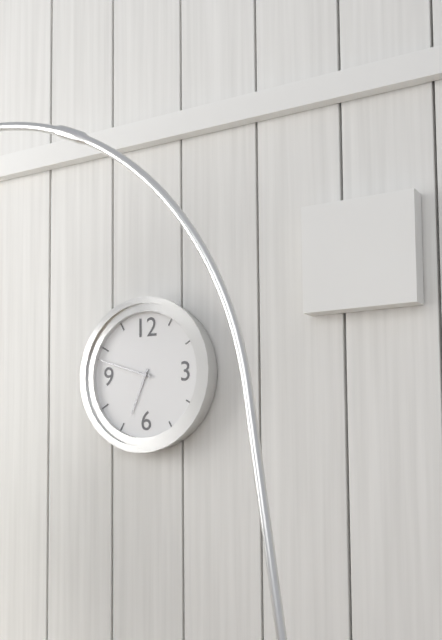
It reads 6:48
